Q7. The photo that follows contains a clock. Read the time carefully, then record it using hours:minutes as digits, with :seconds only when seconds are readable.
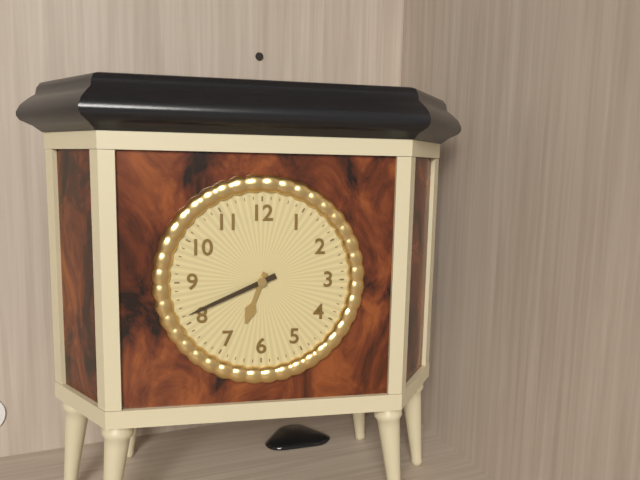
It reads 6:41
